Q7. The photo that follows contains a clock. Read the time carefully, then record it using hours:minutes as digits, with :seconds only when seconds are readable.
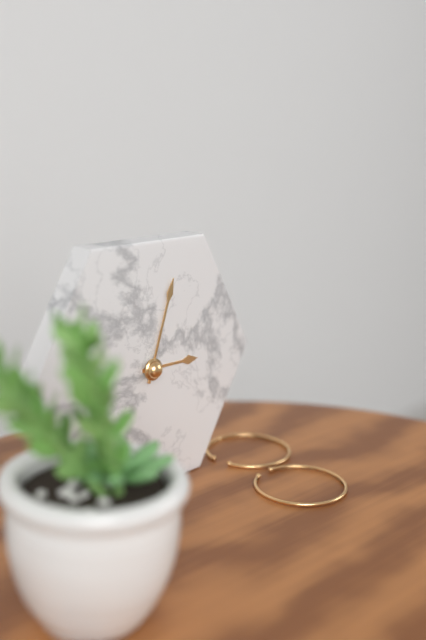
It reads 3:03
